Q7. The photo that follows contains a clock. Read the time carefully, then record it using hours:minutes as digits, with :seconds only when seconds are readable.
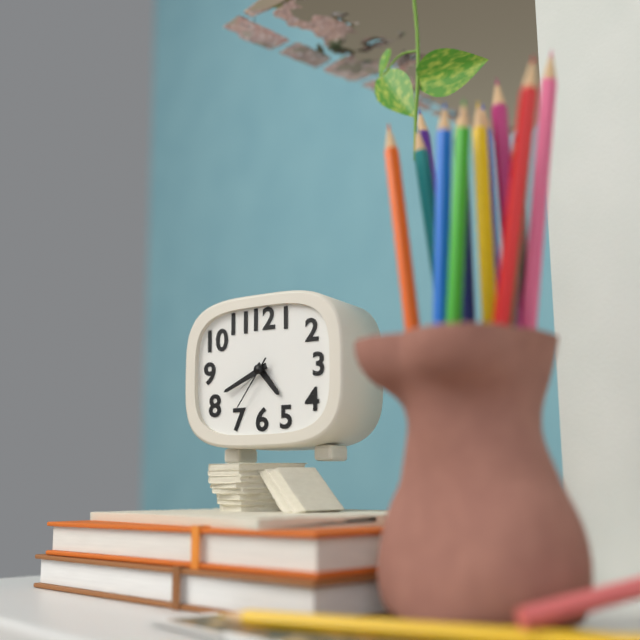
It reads 4:41:36
